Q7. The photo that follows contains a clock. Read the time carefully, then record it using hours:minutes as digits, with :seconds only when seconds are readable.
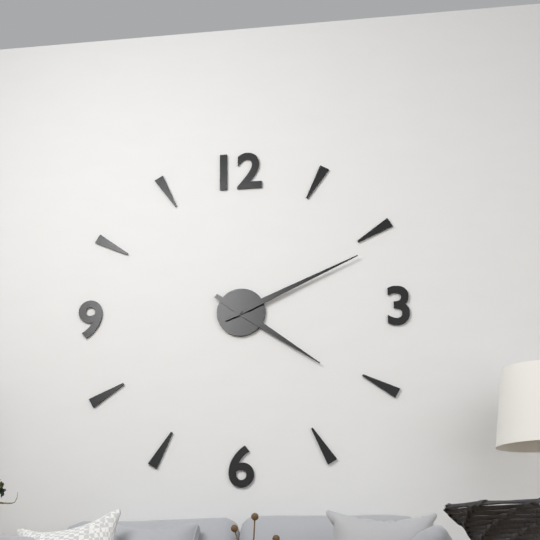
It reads 4:11
